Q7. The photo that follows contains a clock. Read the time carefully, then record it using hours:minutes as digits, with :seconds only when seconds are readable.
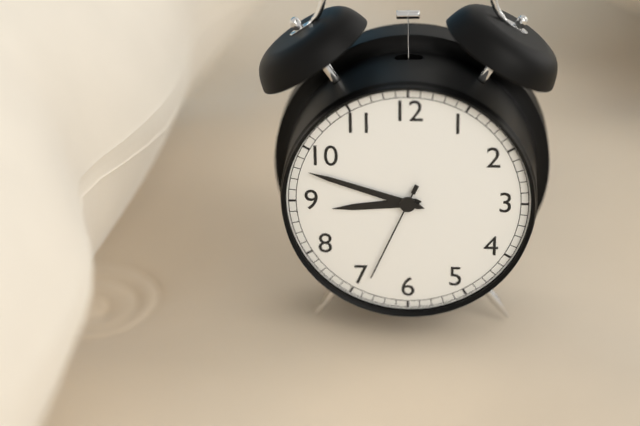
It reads 8:48:34
